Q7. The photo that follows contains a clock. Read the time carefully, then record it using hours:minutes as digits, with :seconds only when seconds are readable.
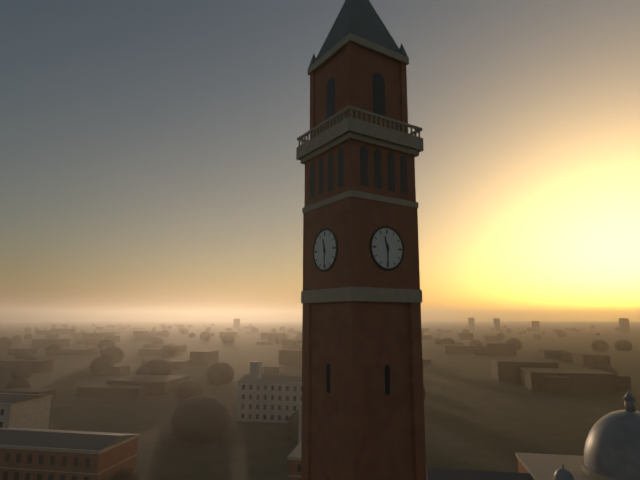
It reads 11:30
